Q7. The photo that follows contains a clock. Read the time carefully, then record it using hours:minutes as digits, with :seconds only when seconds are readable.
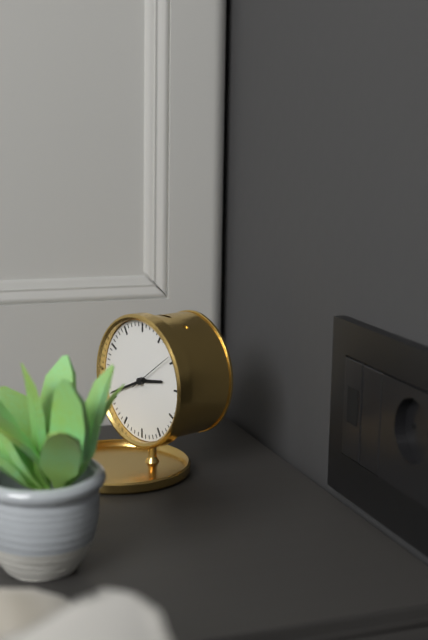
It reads 2:41
